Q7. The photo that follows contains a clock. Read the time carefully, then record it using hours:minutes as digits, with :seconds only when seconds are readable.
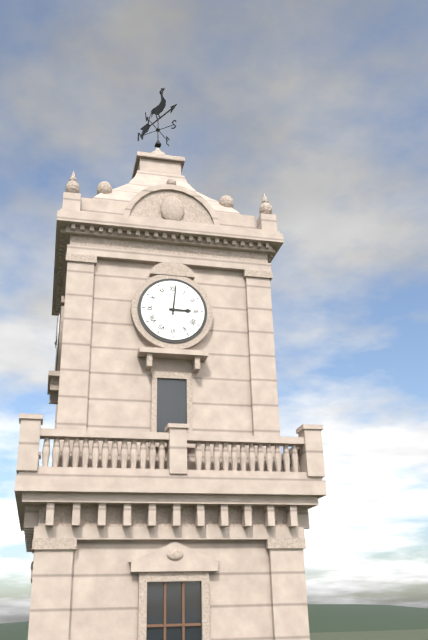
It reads 3:01
